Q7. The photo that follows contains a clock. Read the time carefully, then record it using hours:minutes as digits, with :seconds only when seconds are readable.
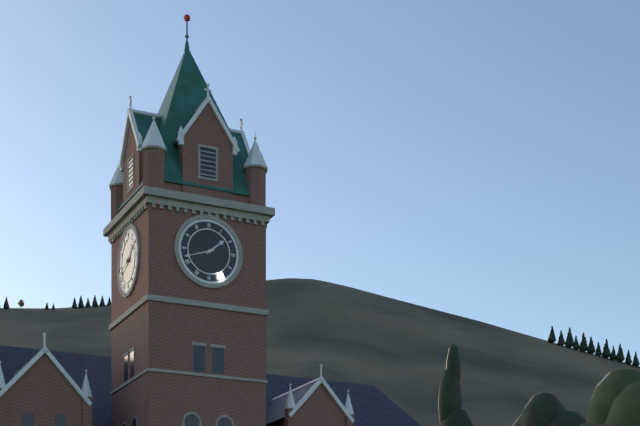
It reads 1:42
